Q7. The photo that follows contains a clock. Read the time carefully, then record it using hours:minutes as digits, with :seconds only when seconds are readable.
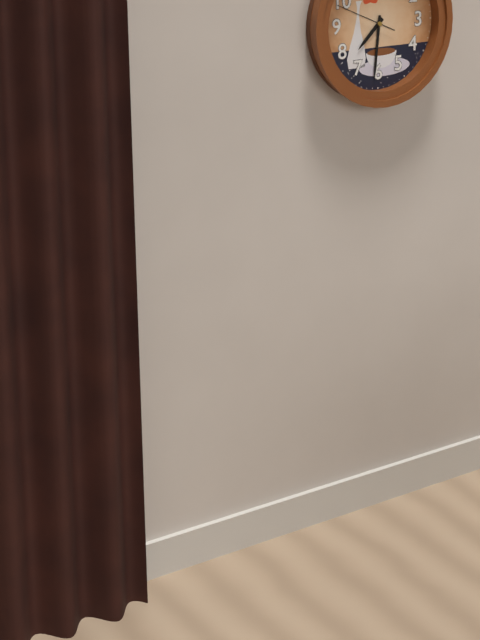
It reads 7:31:49
